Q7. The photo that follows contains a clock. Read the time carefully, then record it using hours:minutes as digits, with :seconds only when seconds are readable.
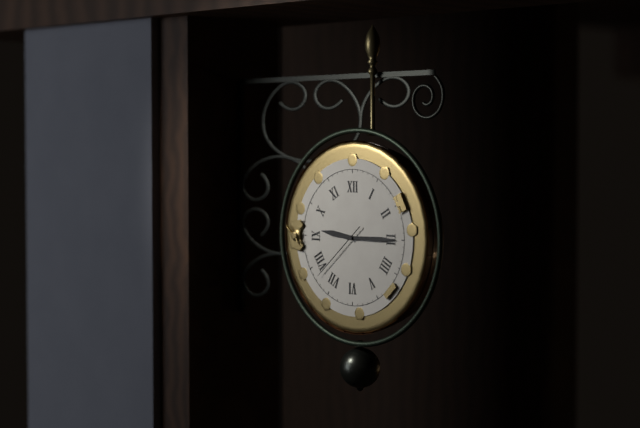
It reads 9:15:38
